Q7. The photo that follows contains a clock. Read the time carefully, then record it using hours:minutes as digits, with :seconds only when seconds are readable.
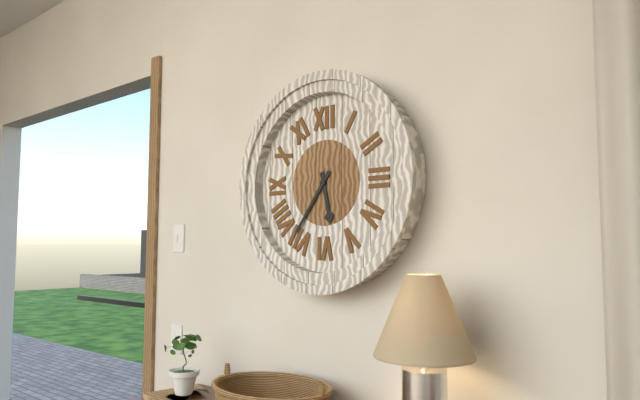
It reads 5:36
